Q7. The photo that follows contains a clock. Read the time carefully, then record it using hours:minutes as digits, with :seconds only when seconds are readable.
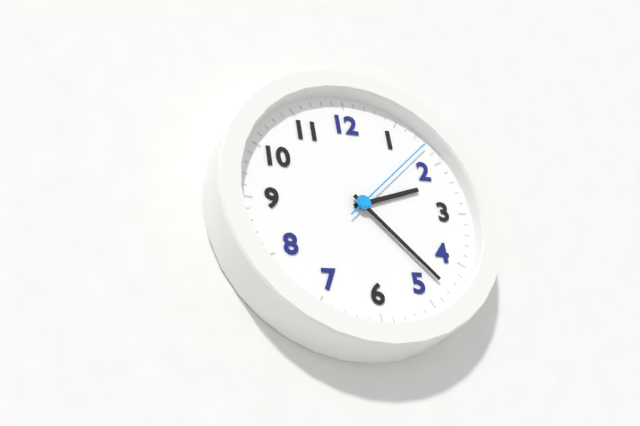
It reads 2:23:08
